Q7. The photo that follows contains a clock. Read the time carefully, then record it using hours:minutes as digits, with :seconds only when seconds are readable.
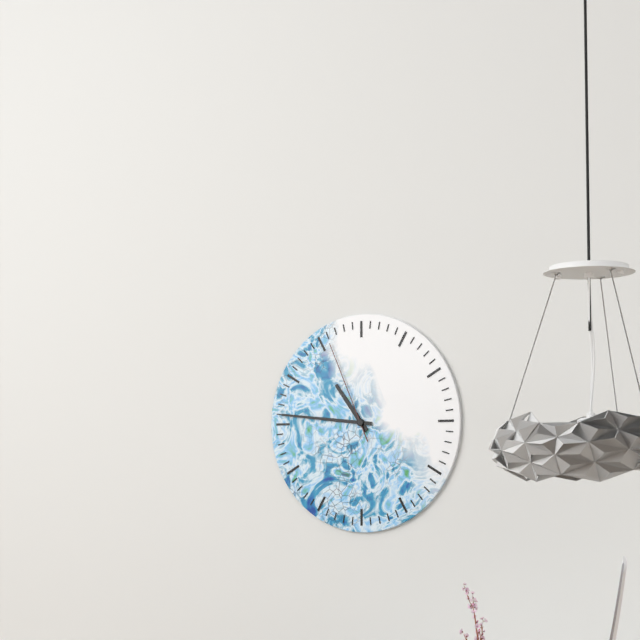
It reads 10:46:56
